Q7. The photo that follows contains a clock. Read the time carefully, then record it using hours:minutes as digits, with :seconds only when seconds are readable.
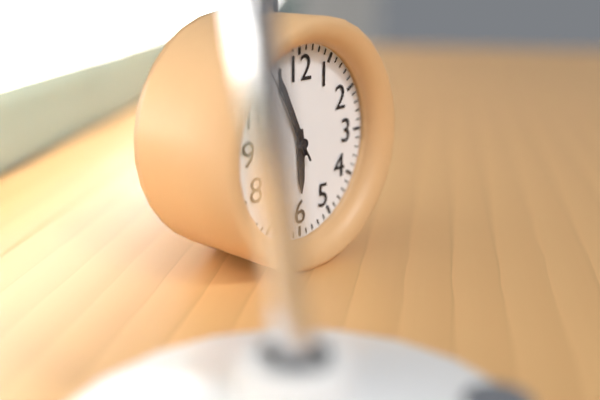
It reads 5:56
